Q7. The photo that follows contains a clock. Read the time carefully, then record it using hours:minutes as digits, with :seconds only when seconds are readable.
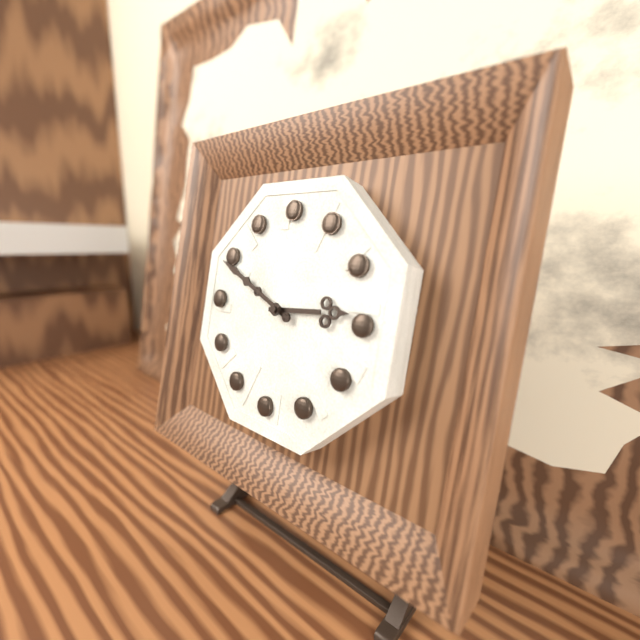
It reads 2:49
